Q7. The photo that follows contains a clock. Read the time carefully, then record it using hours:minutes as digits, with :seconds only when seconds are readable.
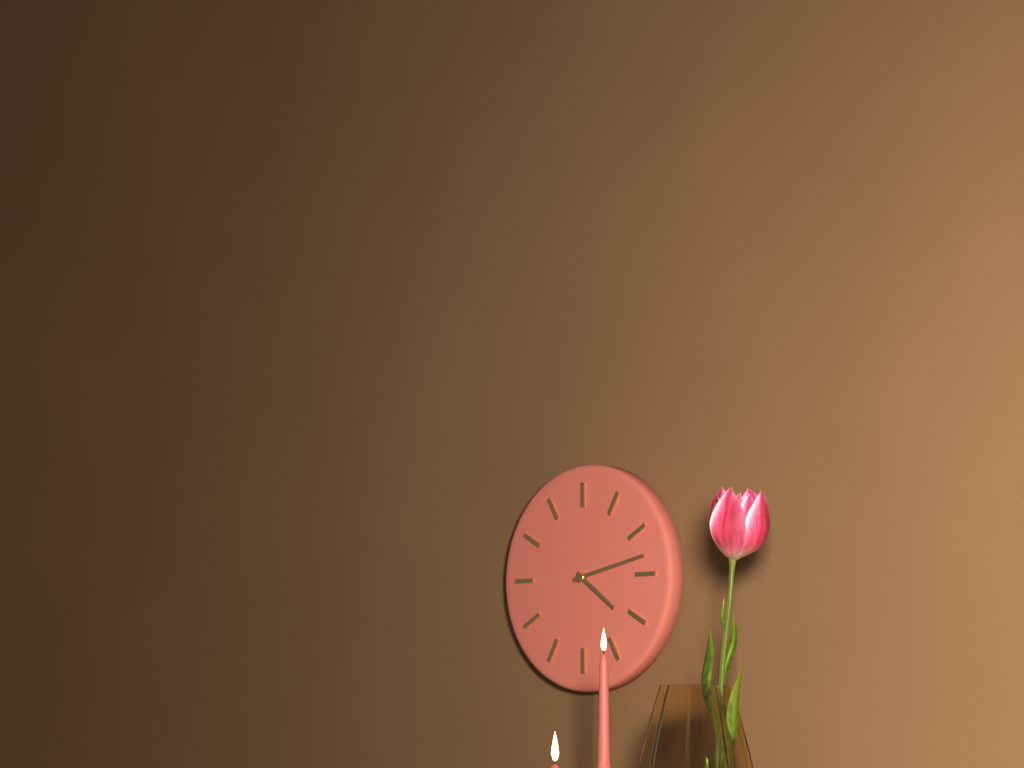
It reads 4:13
